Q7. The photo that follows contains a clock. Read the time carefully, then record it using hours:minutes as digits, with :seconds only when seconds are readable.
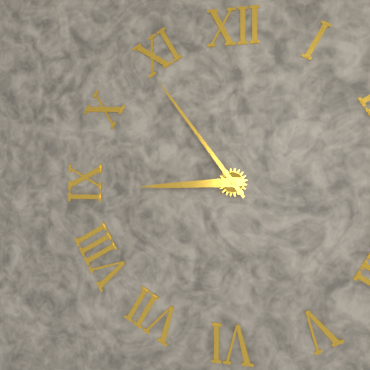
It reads 8:54
